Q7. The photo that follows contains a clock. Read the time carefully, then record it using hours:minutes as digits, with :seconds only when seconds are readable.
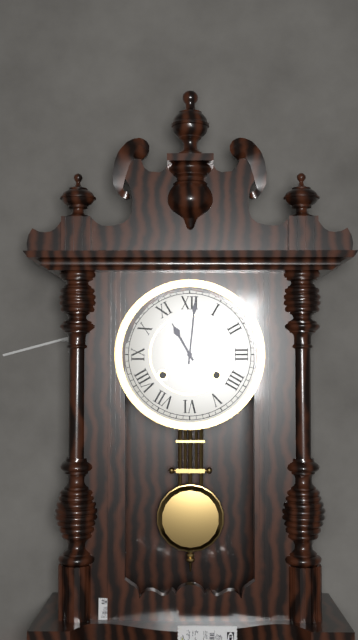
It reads 11:01
